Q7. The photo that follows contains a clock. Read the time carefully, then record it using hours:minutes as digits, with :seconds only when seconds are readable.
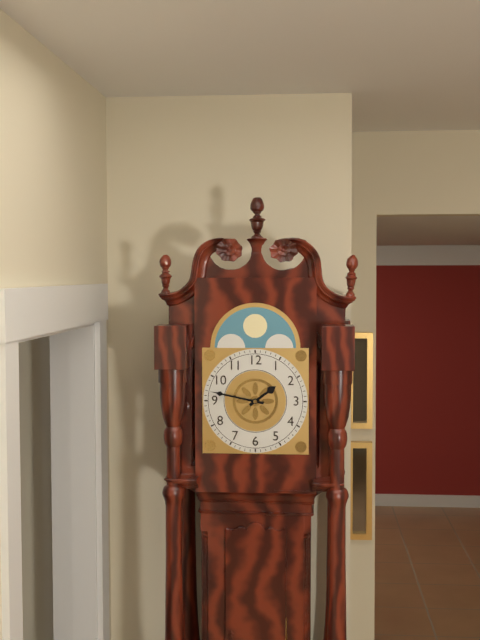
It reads 1:47
